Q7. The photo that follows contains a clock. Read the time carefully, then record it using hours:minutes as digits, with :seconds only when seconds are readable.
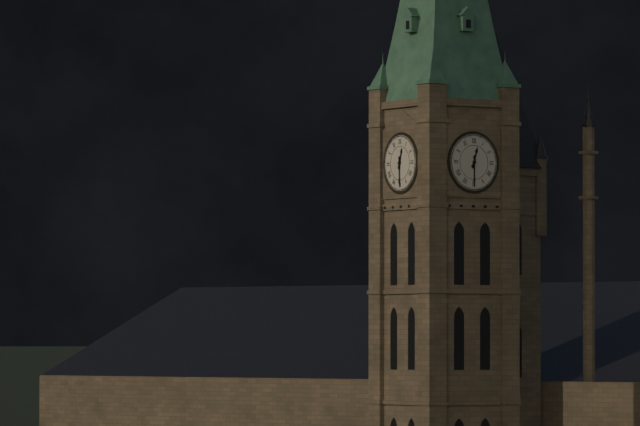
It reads 12:30
